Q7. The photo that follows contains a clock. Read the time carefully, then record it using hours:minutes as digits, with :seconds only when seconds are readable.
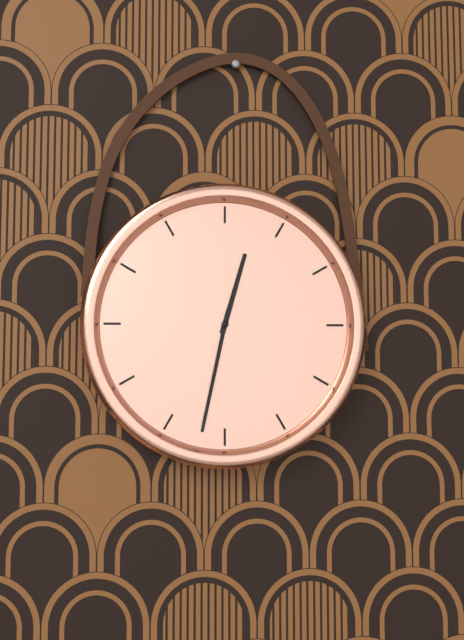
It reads 12:32
